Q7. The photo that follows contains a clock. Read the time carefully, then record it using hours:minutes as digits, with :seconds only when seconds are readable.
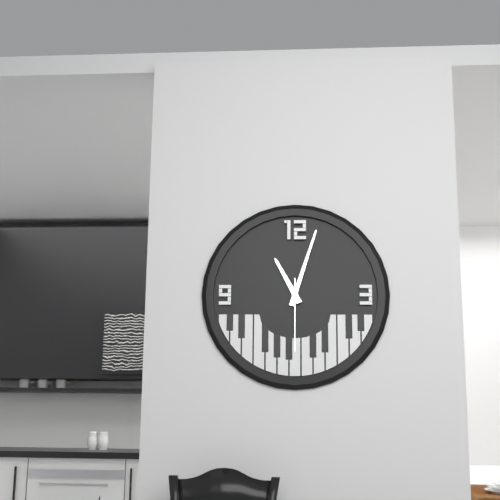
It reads 11:03:30
